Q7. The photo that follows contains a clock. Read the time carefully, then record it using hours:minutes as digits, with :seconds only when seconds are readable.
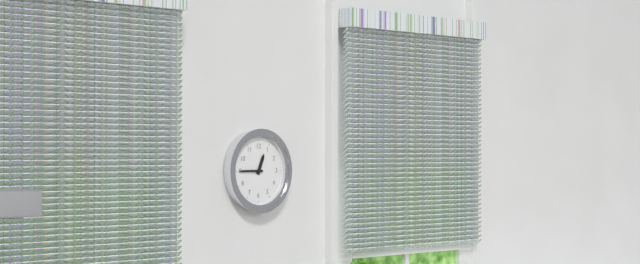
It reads 12:45
